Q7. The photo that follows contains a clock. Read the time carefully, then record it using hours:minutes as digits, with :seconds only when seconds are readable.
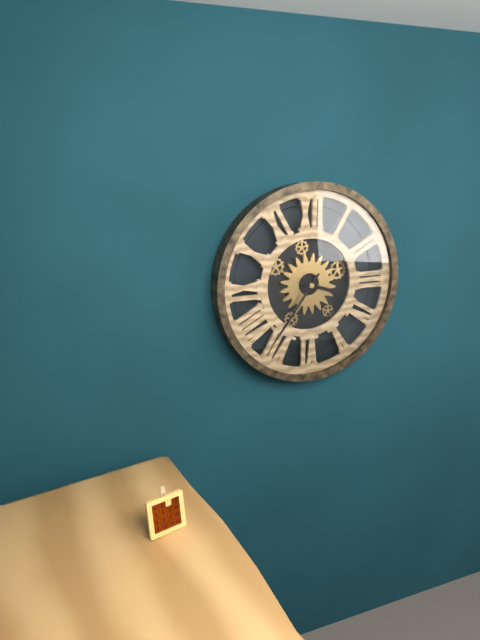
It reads 3:36
